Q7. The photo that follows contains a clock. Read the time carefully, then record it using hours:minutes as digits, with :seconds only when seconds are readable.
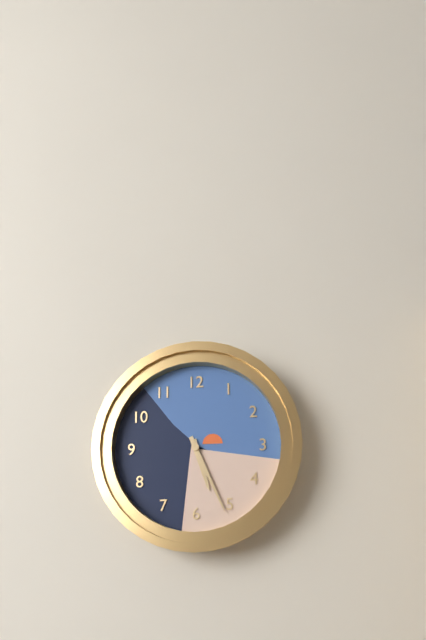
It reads 5:26
